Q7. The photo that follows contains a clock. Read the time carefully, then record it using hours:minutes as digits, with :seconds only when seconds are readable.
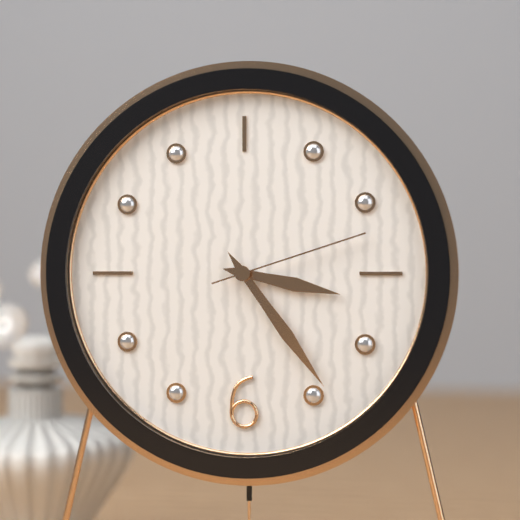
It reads 3:24:12
